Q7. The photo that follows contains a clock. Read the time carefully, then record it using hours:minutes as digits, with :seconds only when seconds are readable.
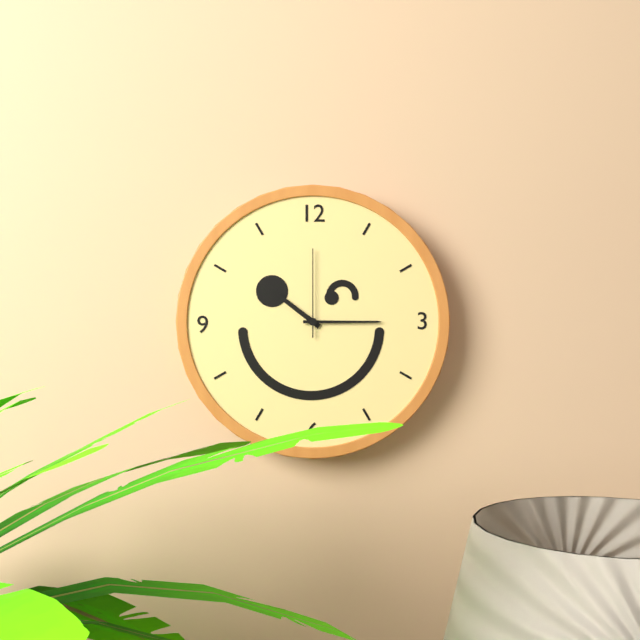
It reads 10:15:00
